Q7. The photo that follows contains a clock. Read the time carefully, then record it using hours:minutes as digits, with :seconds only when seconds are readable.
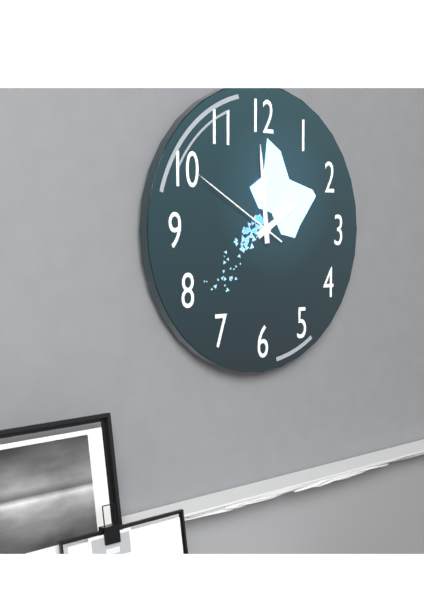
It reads 1:59:50
